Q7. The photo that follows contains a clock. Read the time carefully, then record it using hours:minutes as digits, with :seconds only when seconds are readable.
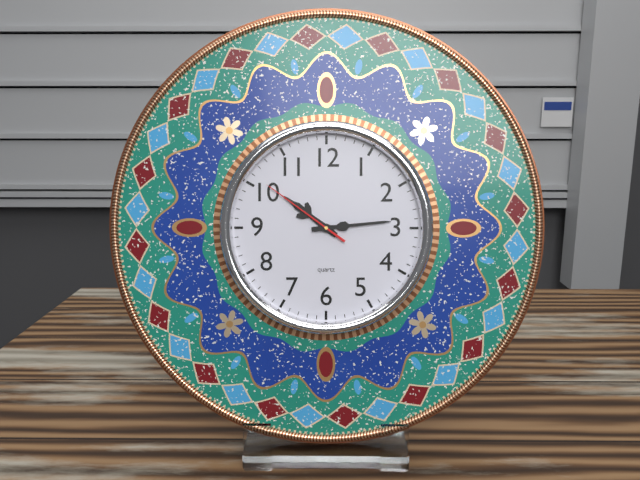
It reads 10:14:51
